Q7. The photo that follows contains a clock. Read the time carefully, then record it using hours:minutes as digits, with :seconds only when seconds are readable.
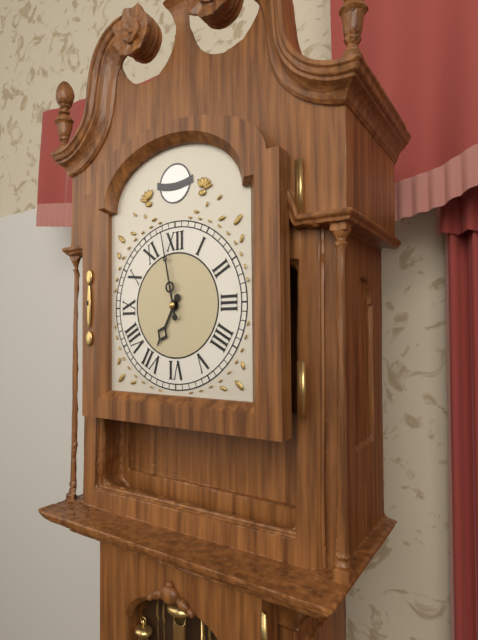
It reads 6:58
